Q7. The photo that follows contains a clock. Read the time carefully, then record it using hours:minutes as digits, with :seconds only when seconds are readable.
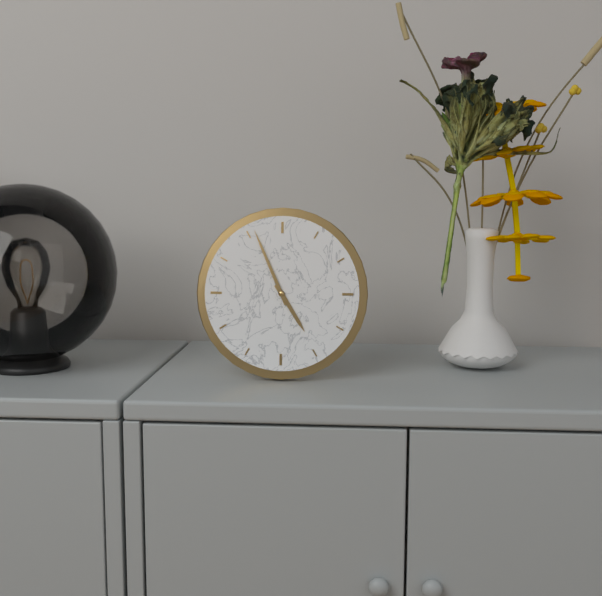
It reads 4:56
